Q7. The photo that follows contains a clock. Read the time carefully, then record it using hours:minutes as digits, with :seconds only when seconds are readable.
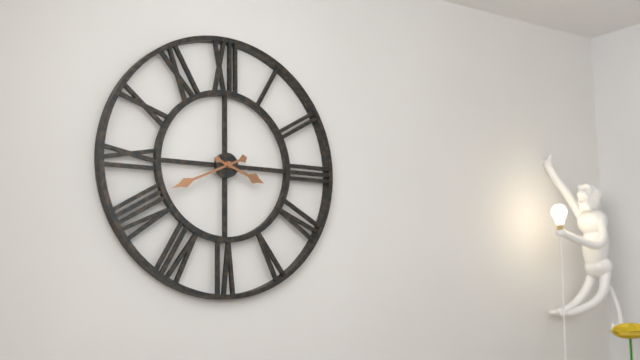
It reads 3:41
